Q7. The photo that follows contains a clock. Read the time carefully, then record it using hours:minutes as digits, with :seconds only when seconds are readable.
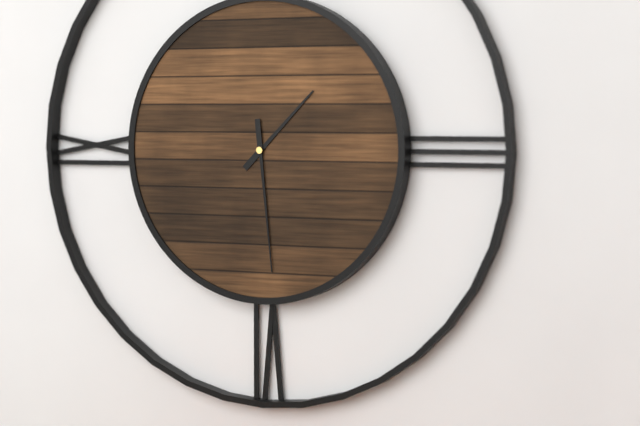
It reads 1:29
